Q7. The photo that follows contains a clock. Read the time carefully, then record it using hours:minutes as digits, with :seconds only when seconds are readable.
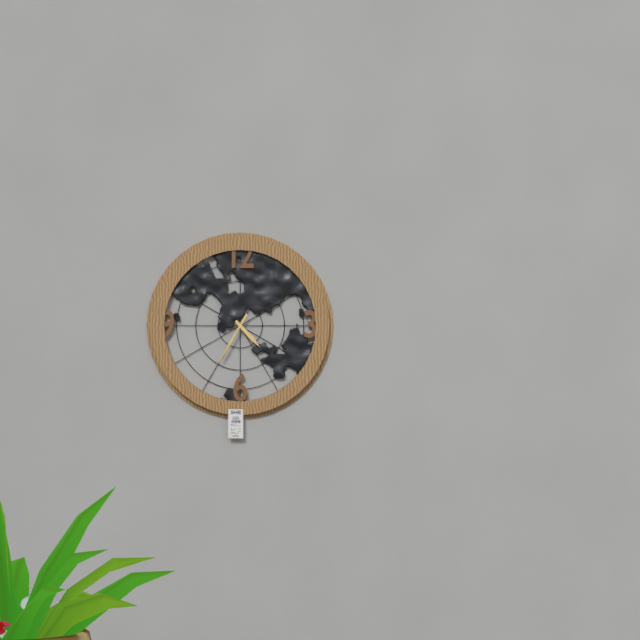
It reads 4:35
